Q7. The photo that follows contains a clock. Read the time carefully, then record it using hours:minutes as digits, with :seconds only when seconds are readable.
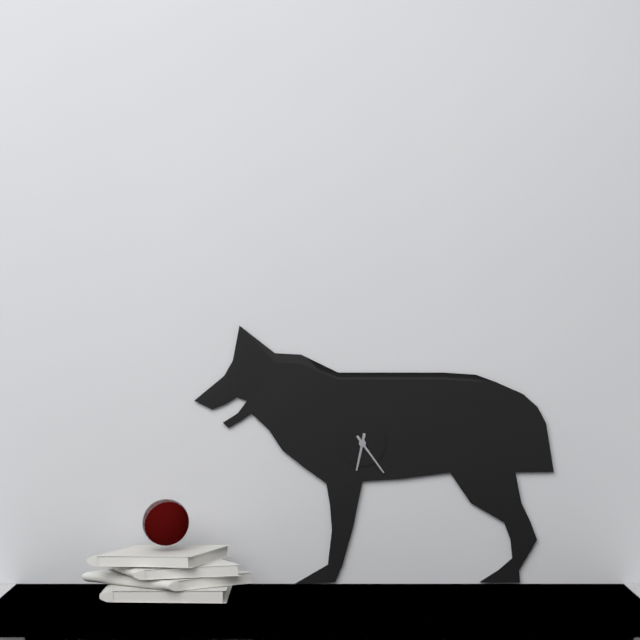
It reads 6:24
